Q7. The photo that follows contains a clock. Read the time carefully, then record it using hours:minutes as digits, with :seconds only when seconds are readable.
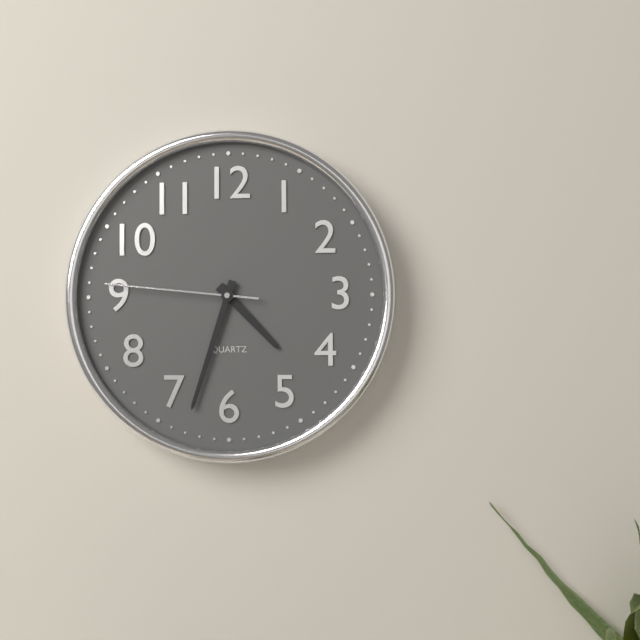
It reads 4:33:46
